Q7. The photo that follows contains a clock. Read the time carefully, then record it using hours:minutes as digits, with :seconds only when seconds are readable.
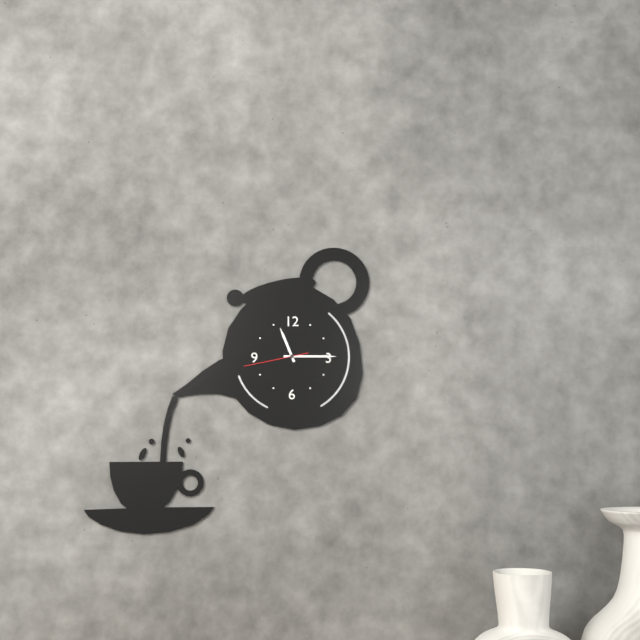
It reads 11:15:43
